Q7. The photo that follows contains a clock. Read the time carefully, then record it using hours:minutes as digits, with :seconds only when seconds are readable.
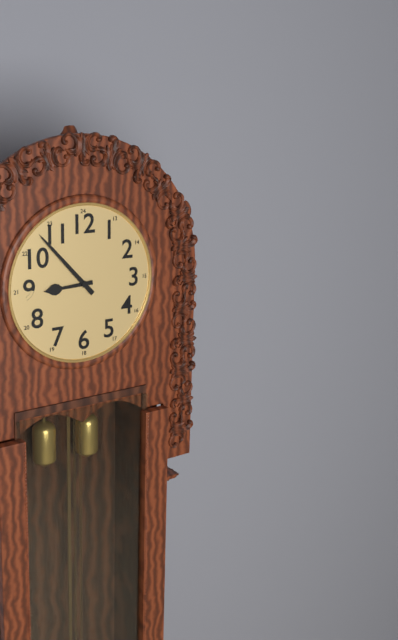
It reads 8:53
